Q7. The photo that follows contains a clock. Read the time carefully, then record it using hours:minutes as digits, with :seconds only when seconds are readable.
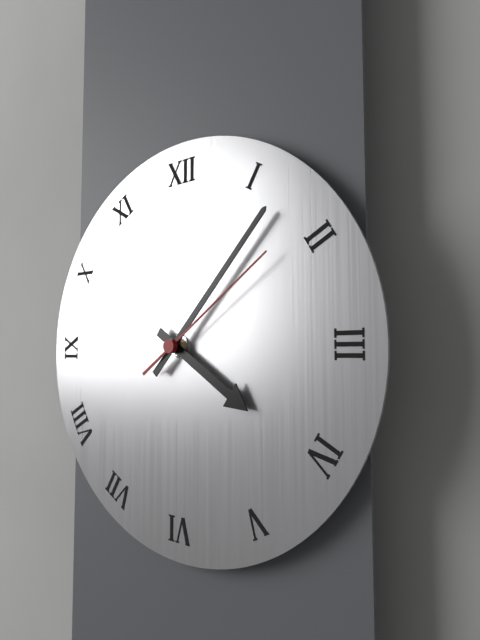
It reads 4:07:09
